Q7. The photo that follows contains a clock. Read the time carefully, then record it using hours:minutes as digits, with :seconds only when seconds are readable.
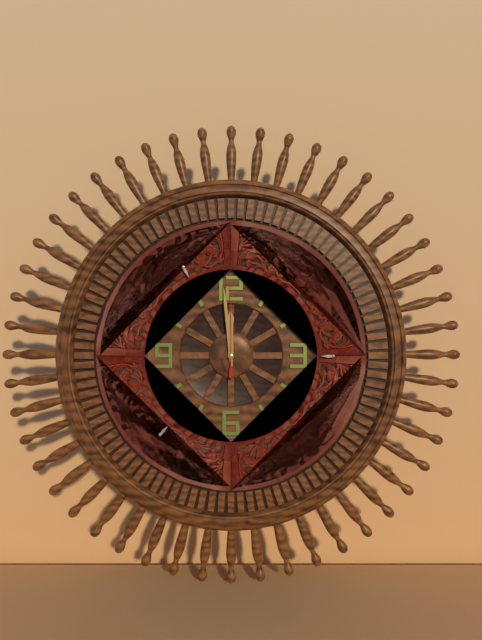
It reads 11:59:00
